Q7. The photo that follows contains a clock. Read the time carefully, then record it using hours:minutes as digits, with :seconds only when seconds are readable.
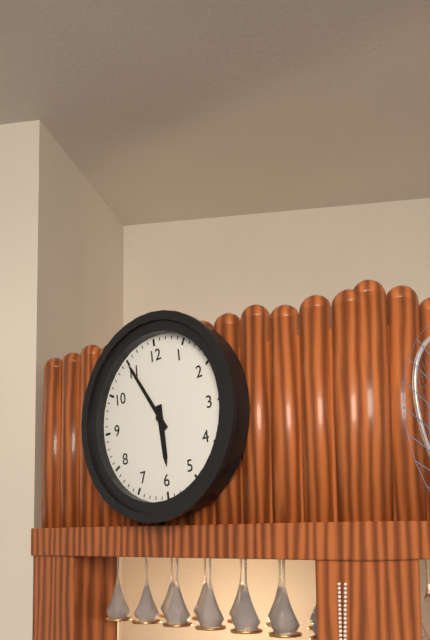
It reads 5:55
